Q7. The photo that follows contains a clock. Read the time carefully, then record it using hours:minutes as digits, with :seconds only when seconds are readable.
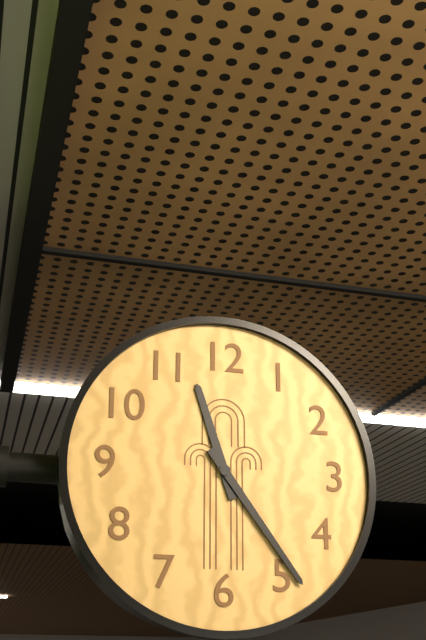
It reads 11:24
